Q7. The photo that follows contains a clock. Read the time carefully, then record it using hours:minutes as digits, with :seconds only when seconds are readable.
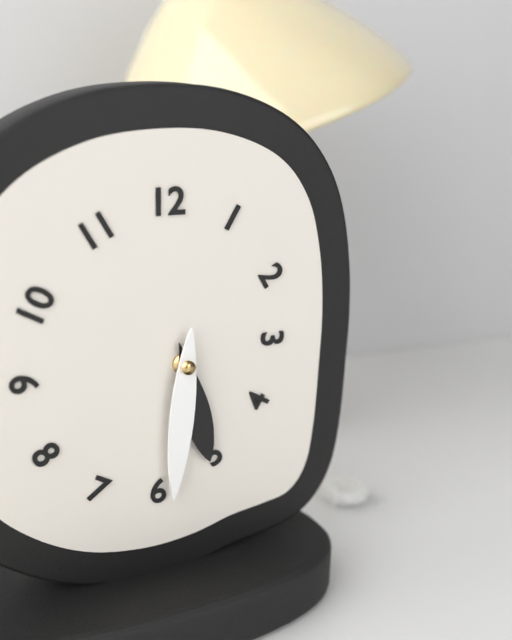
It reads 5:31
